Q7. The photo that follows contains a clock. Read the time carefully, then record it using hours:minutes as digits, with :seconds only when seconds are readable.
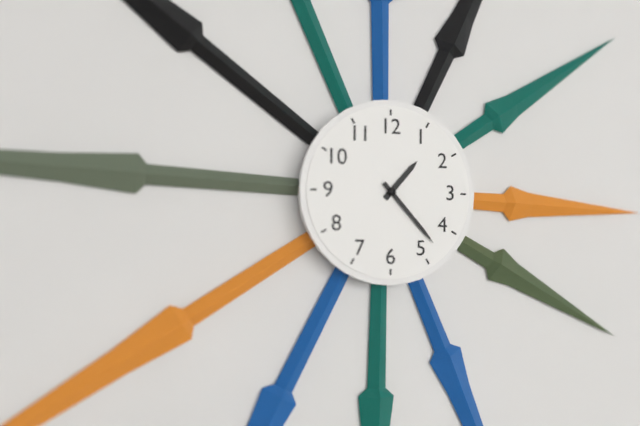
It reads 1:23
